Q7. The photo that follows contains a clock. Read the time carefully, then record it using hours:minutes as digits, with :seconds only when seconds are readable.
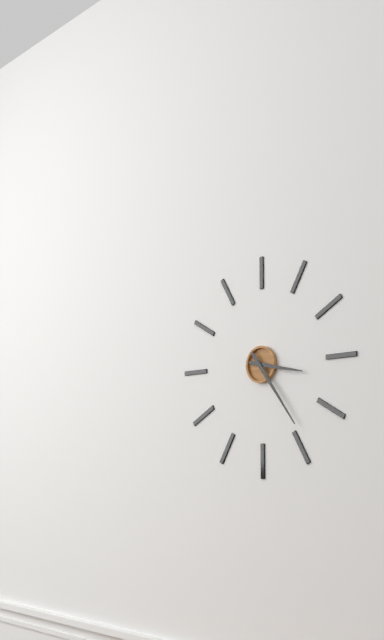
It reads 3:24
